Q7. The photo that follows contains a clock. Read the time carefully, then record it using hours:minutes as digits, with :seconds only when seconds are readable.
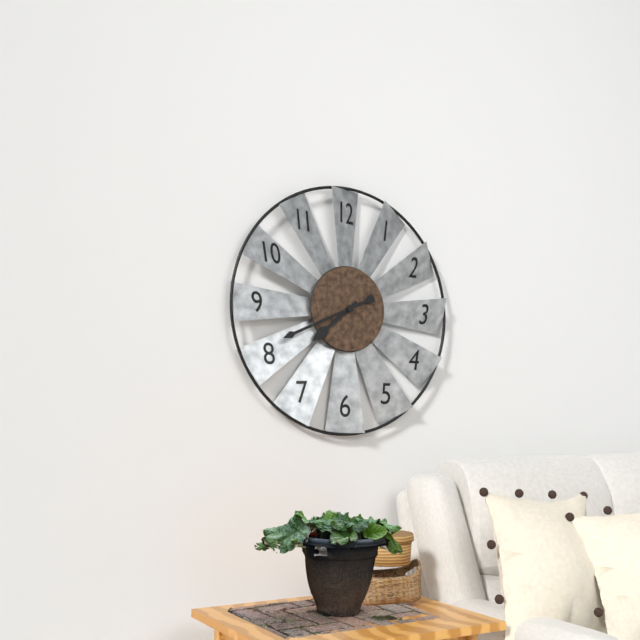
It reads 7:41
